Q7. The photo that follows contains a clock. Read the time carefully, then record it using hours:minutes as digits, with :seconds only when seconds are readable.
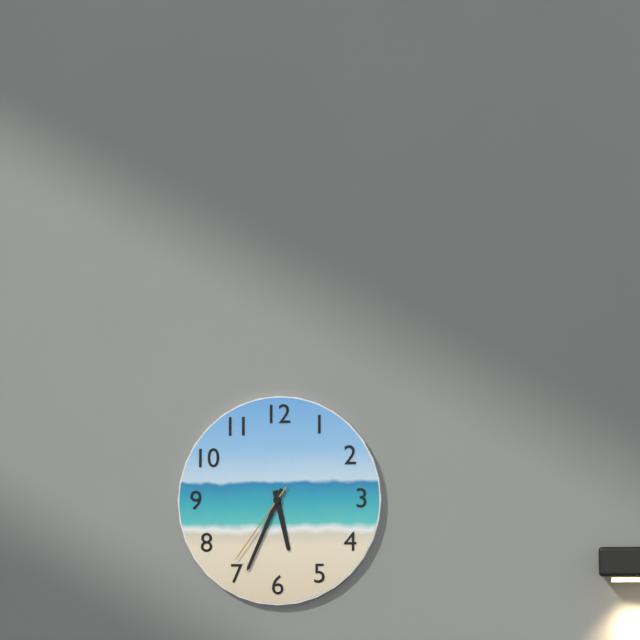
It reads 5:34:36
